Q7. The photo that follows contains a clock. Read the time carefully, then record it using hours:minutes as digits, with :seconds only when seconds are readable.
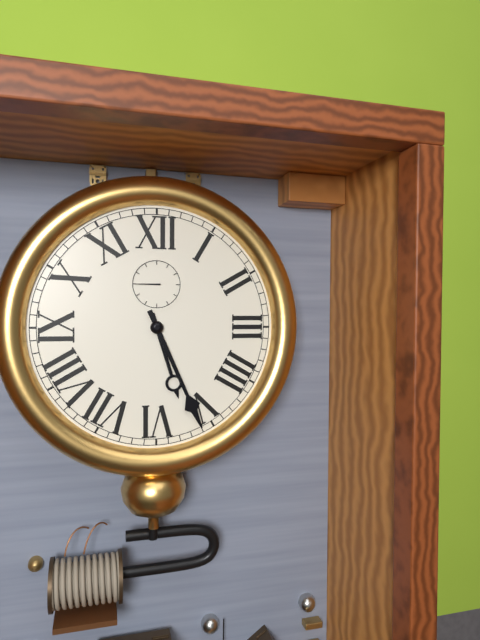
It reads 5:26
